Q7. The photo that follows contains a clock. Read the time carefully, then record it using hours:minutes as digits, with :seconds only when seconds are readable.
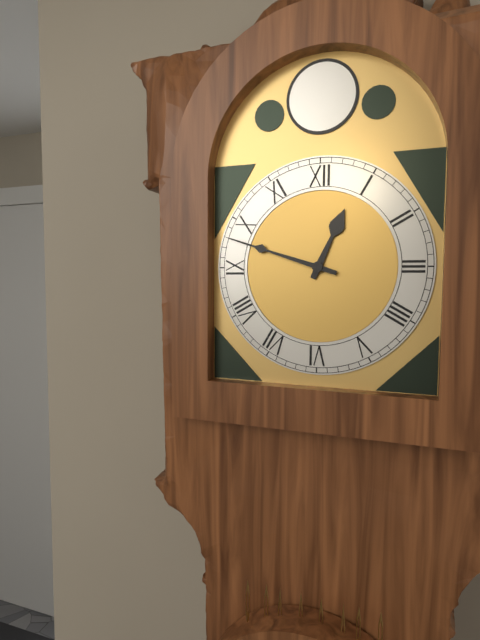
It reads 12:48
